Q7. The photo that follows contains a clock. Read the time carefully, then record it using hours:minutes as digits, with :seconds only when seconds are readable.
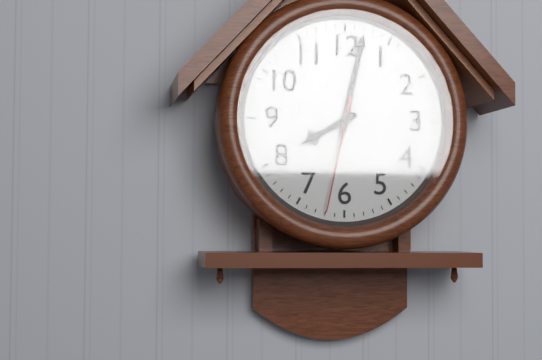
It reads 8:02:32
